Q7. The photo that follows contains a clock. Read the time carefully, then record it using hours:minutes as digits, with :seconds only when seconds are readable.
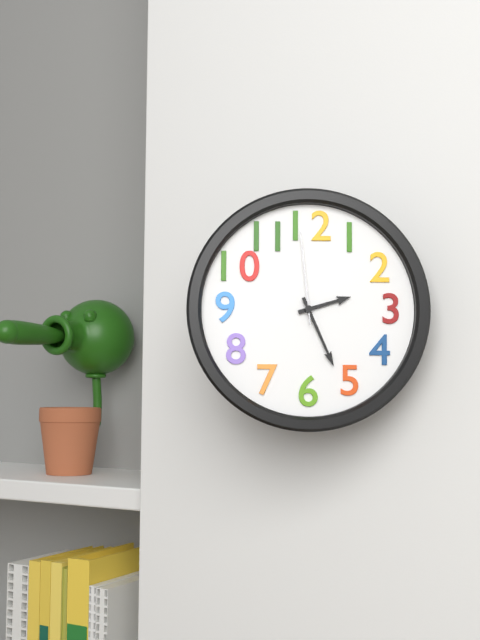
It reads 2:26:59
